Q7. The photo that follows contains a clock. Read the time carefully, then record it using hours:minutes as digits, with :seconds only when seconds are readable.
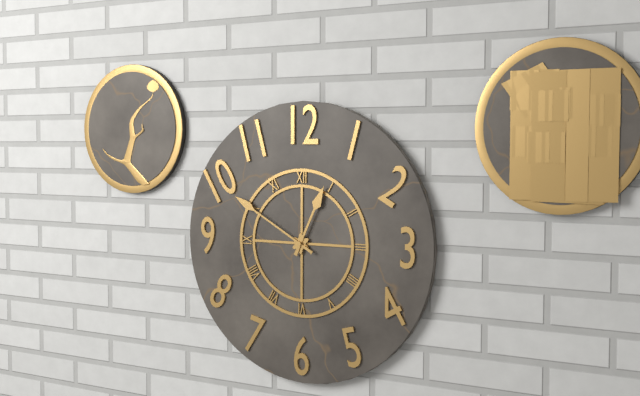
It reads 12:50
